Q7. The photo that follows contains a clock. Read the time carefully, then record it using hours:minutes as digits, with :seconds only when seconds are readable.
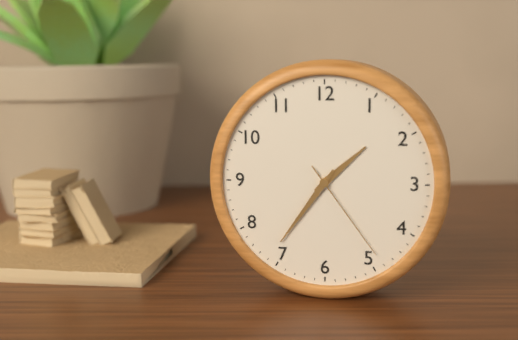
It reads 1:36:24
